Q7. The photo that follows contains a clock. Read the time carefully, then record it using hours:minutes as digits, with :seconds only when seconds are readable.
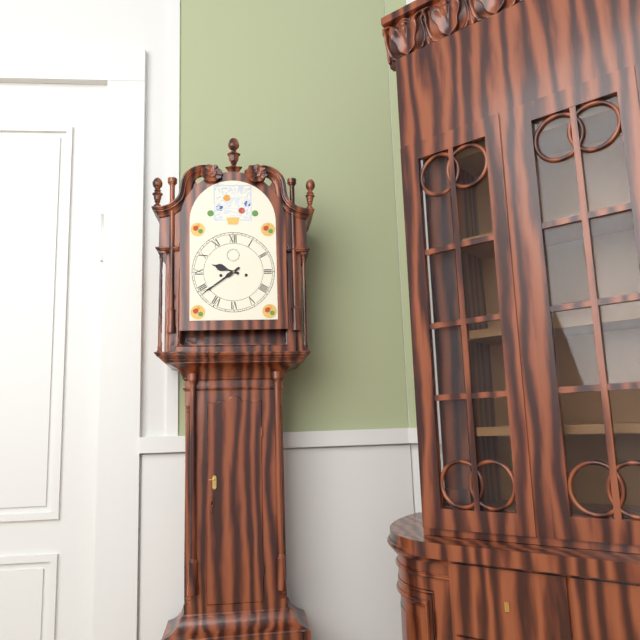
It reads 9:39
